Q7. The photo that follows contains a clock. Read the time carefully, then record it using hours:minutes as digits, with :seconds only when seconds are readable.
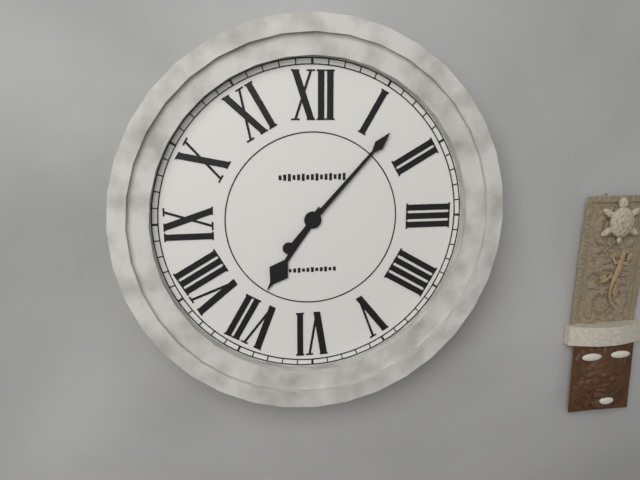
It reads 7:07
